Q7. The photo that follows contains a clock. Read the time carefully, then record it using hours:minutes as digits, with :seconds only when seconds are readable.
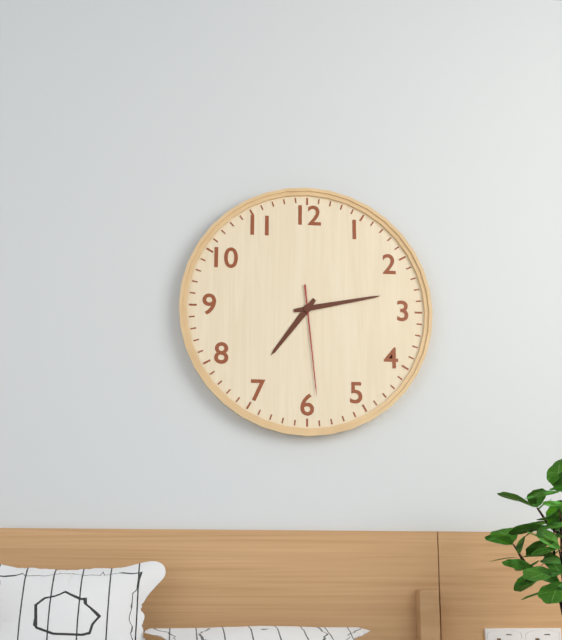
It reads 7:13:29
